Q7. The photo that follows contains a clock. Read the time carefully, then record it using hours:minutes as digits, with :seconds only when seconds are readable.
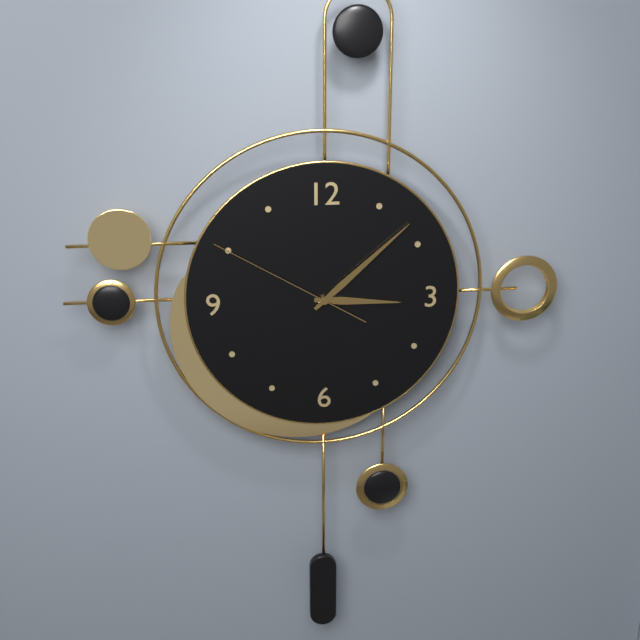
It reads 3:08:50
